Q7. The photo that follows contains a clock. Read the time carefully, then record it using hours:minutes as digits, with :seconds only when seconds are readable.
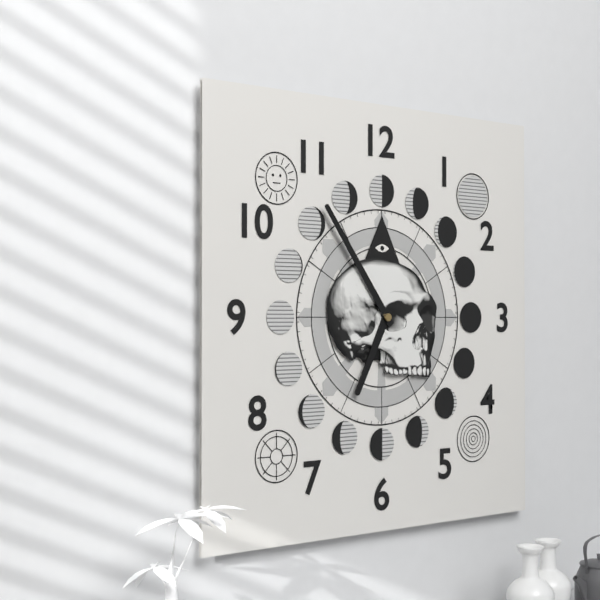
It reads 6:54
